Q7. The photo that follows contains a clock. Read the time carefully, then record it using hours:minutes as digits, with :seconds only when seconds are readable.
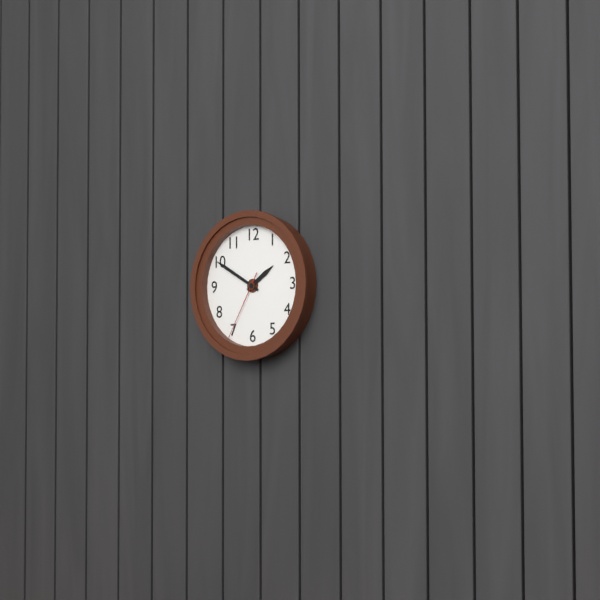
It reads 1:50:35
